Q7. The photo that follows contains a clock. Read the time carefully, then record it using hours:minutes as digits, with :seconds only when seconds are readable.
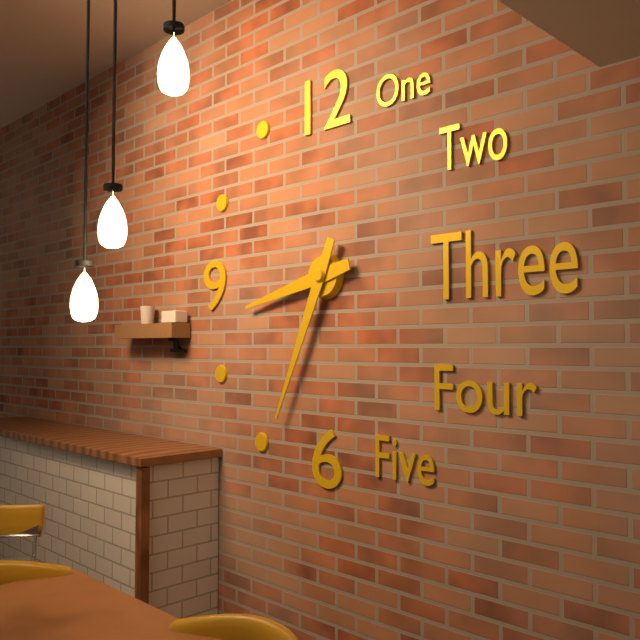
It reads 8:34
